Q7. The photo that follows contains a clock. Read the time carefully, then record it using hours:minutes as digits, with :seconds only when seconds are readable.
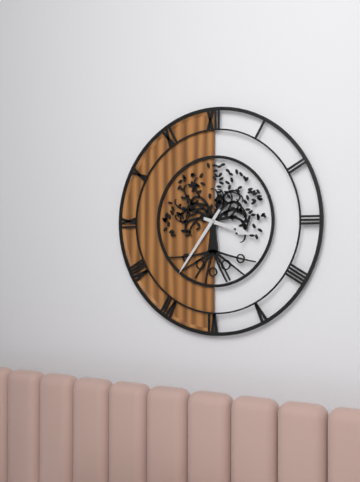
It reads 3:36
